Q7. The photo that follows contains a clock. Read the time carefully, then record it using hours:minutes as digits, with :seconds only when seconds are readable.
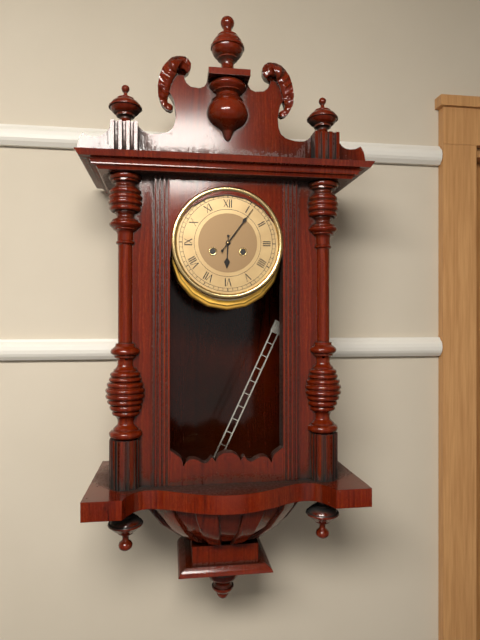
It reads 6:06
